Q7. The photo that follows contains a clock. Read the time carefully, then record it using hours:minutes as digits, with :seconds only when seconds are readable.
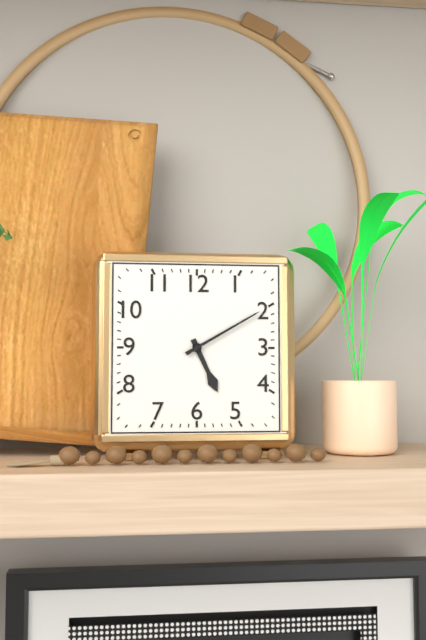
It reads 5:10
